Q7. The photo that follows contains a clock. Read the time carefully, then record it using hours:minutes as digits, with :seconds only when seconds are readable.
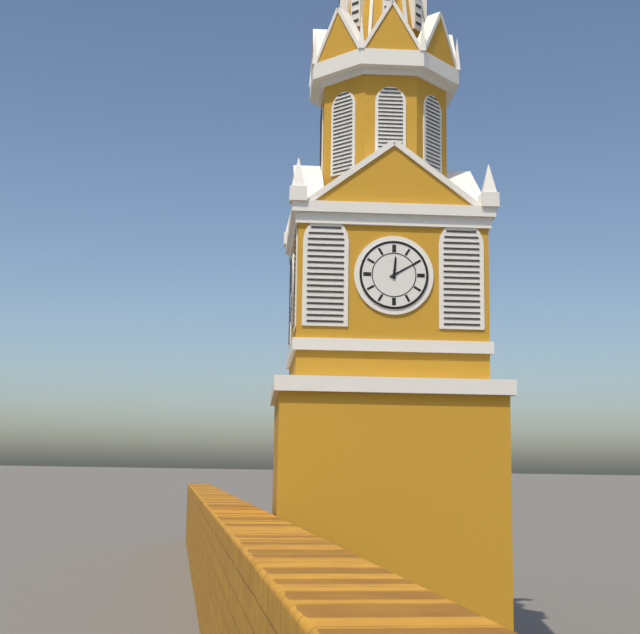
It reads 12:10
